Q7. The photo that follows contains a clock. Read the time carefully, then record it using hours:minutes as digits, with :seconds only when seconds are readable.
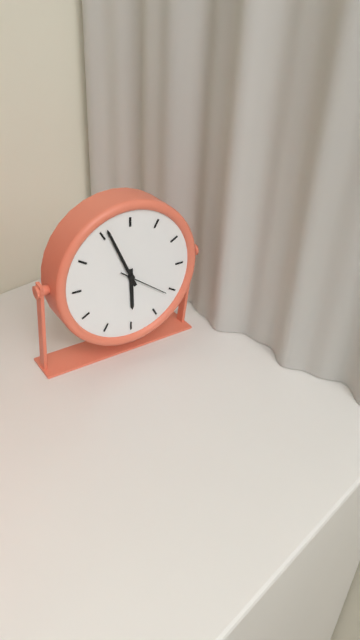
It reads 5:56
